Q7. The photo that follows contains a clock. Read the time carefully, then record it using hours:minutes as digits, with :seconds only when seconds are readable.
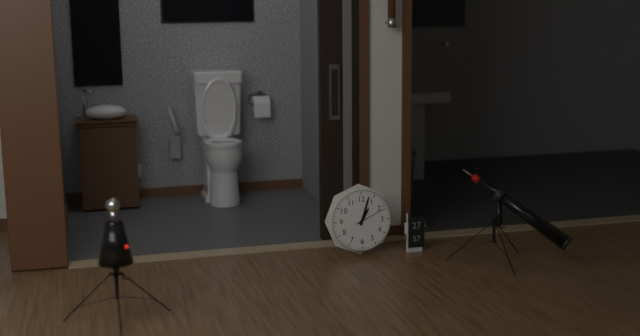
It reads 1:03
